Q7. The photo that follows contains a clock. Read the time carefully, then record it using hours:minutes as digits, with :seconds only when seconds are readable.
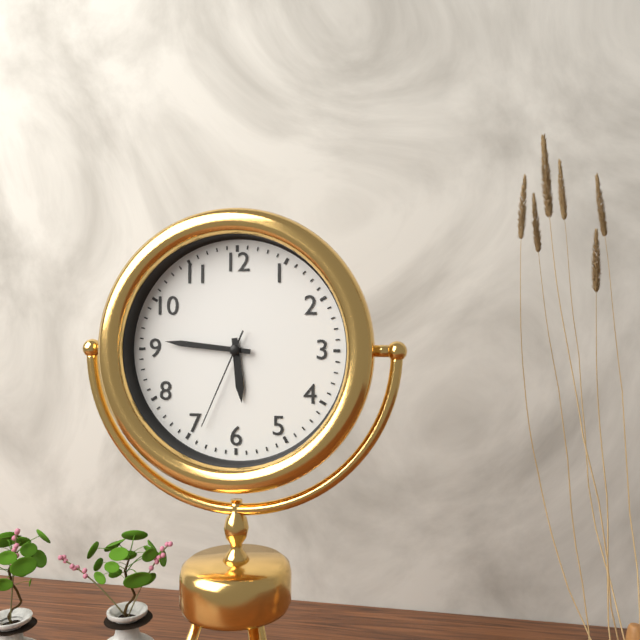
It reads 5:46:34
